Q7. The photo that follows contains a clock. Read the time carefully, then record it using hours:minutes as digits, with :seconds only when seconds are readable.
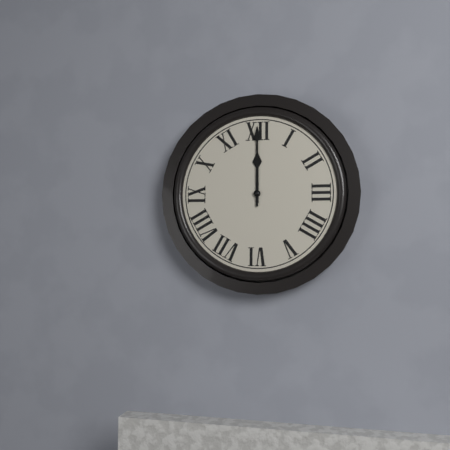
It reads 12:00
